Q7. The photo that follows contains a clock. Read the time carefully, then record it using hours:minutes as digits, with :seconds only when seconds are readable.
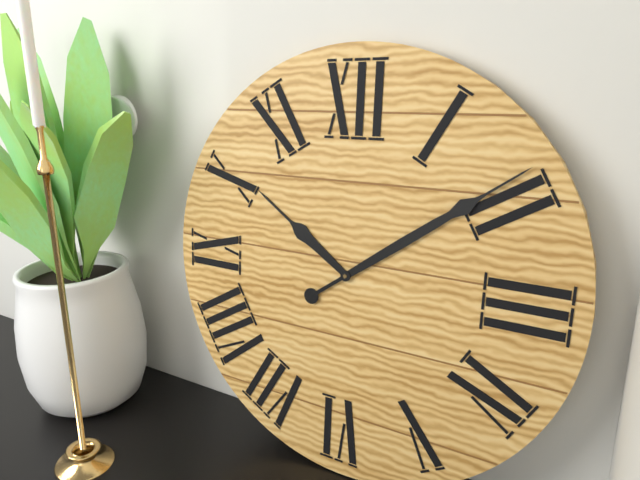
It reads 10:09
